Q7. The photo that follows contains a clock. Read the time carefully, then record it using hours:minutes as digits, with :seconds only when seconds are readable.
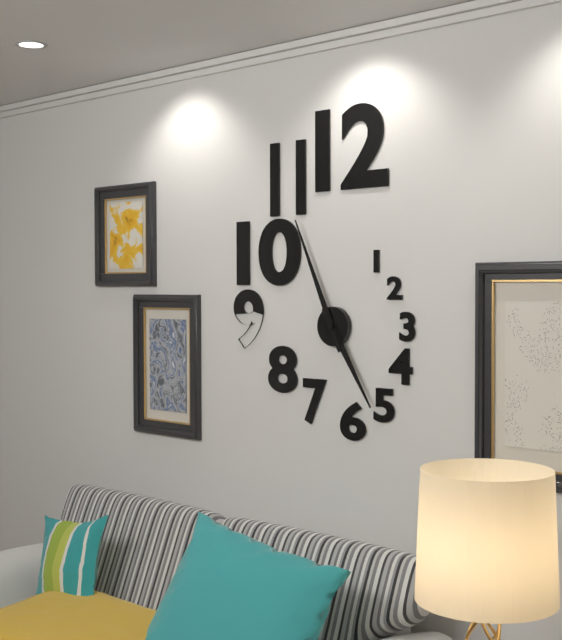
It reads 4:56
